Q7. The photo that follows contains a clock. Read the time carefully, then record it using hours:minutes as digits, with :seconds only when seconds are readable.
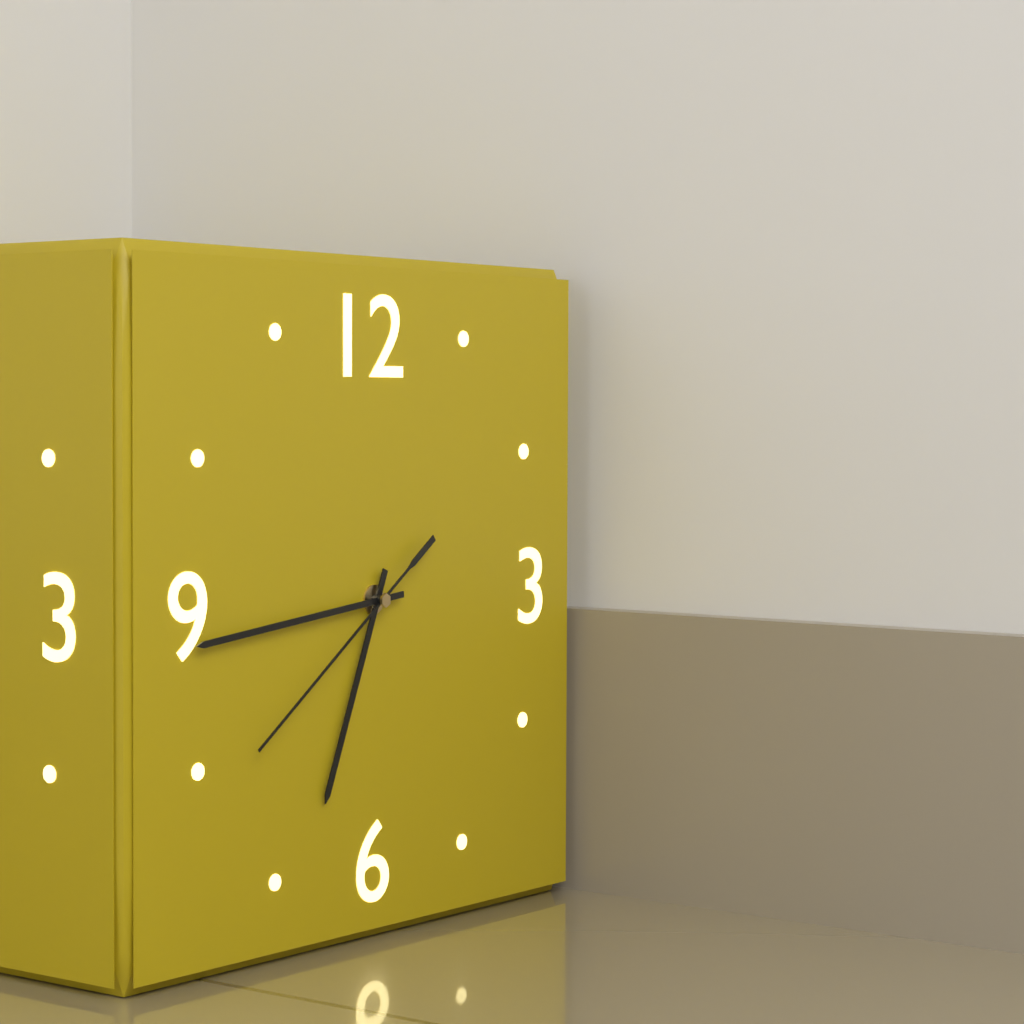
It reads 6:44:39
